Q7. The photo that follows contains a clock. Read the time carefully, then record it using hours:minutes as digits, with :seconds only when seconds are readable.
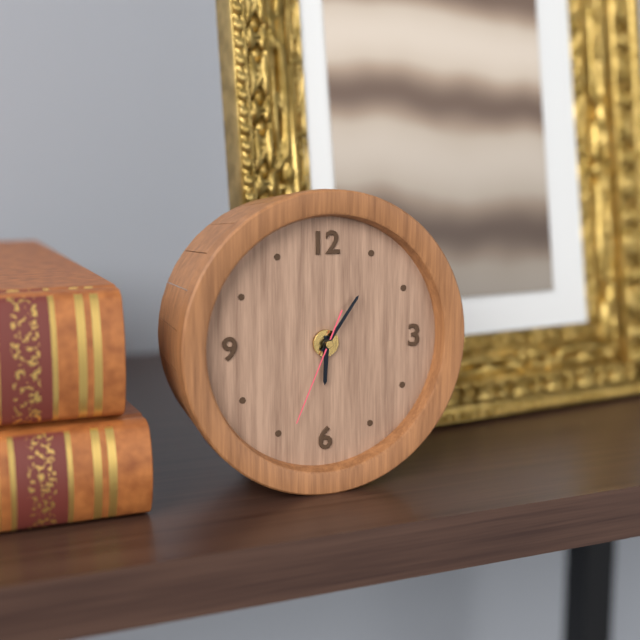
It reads 6:06:34
